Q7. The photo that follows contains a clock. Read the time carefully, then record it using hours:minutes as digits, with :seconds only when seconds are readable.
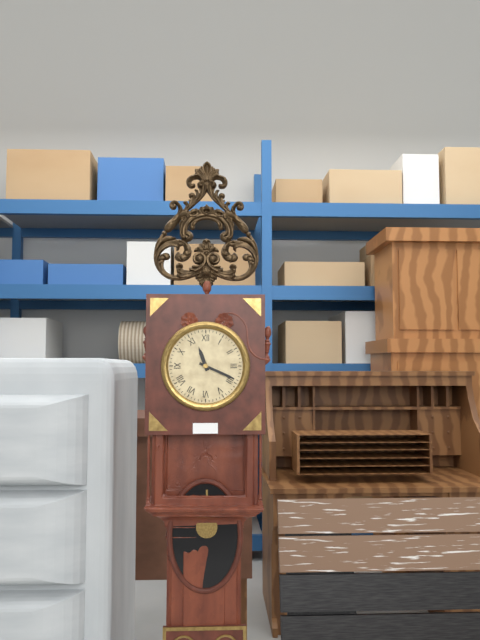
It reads 11:19
